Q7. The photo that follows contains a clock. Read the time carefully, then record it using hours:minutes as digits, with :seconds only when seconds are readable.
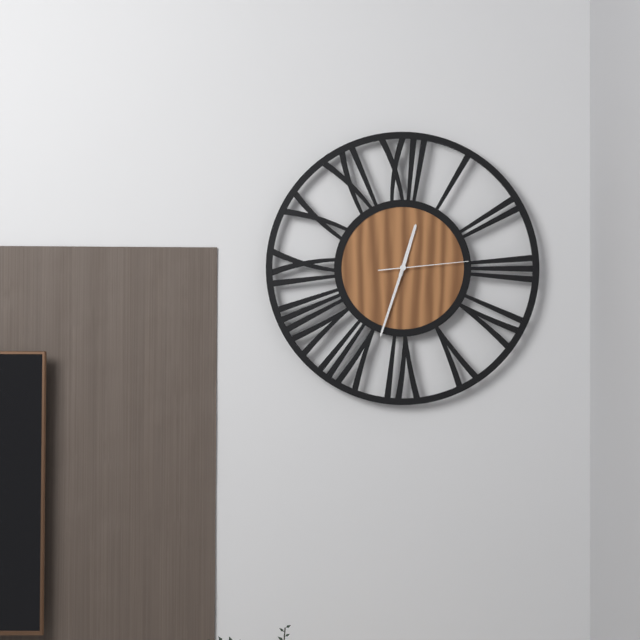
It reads 12:33:14
